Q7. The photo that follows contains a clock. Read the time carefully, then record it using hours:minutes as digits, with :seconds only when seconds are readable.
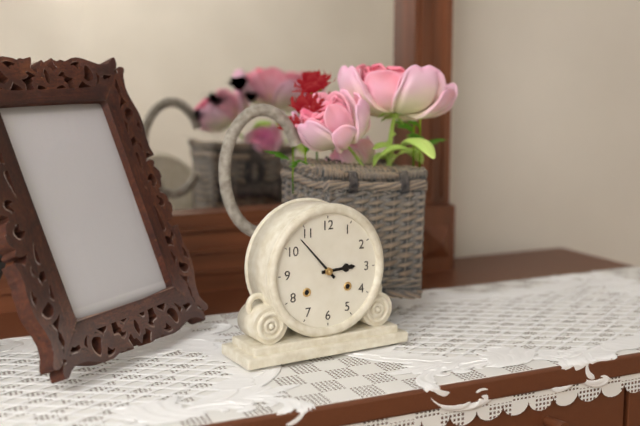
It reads 2:53
